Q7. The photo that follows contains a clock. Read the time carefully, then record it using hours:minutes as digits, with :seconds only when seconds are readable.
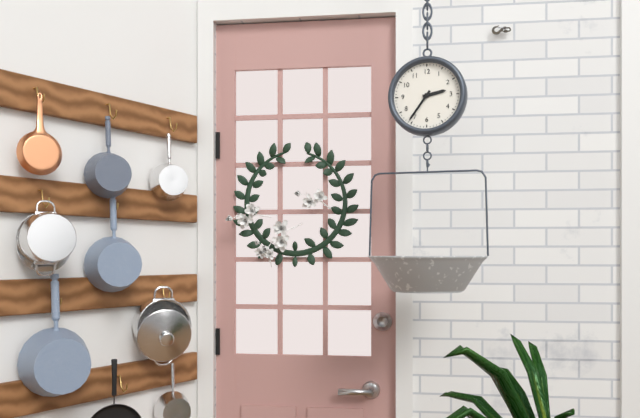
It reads 2:36
